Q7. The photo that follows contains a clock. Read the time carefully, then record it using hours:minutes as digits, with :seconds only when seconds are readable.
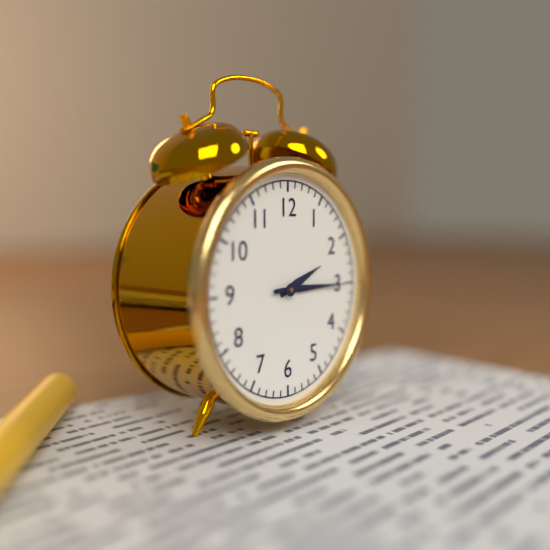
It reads 2:15:15
